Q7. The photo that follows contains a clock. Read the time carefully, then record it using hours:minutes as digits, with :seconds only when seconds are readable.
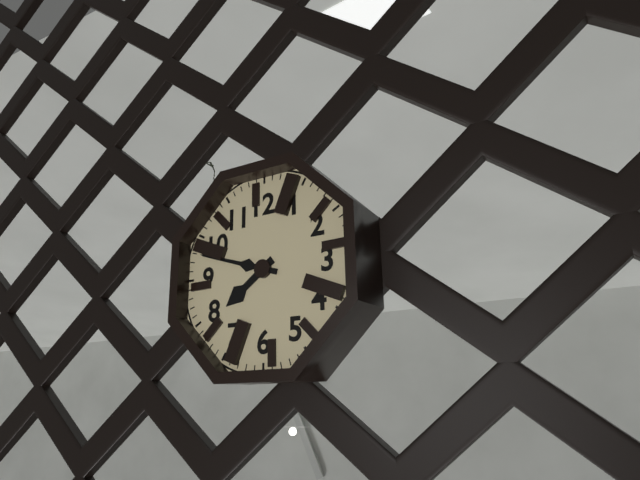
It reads 7:48
